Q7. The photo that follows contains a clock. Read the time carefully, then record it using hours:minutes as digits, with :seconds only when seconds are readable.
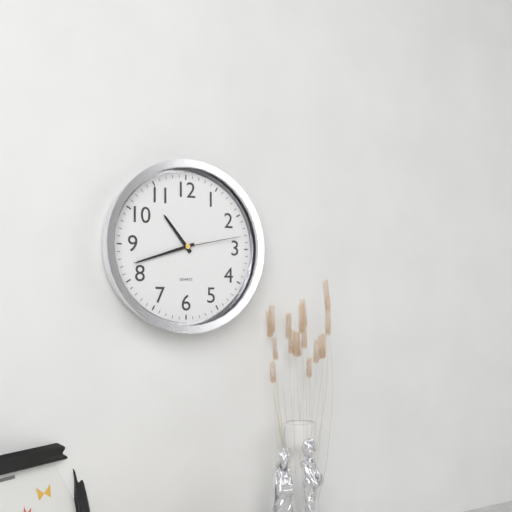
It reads 10:42:13
